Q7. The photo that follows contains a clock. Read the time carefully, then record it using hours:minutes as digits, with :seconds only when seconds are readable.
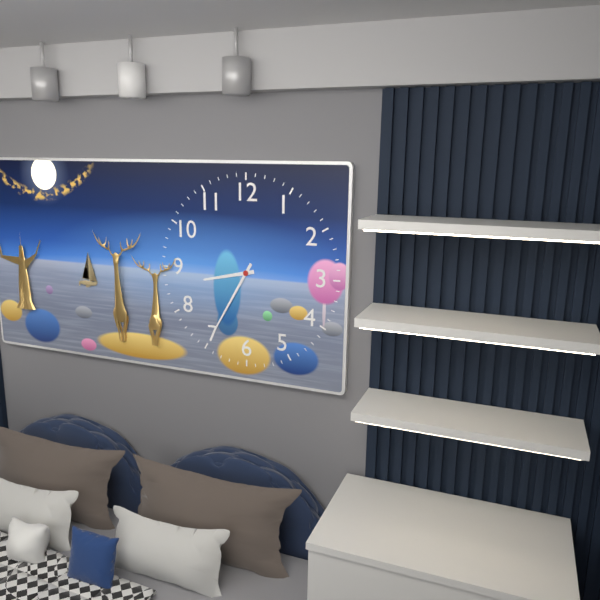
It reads 8:35
